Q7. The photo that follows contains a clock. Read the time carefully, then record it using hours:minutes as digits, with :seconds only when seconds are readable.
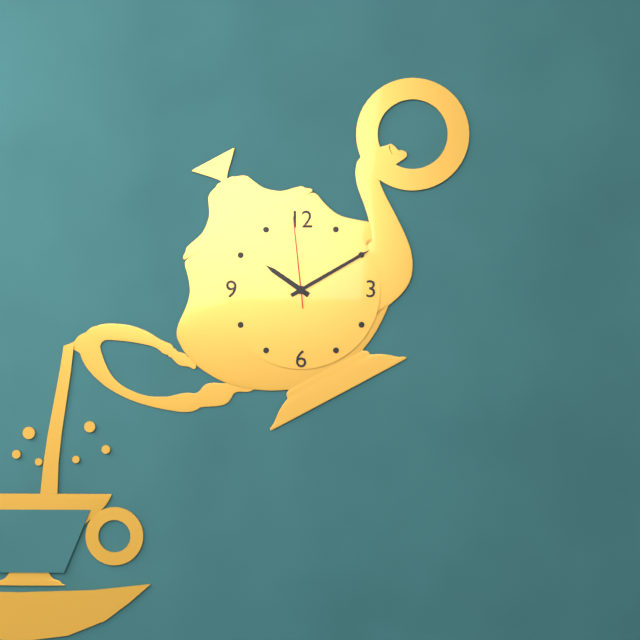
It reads 10:10:59
